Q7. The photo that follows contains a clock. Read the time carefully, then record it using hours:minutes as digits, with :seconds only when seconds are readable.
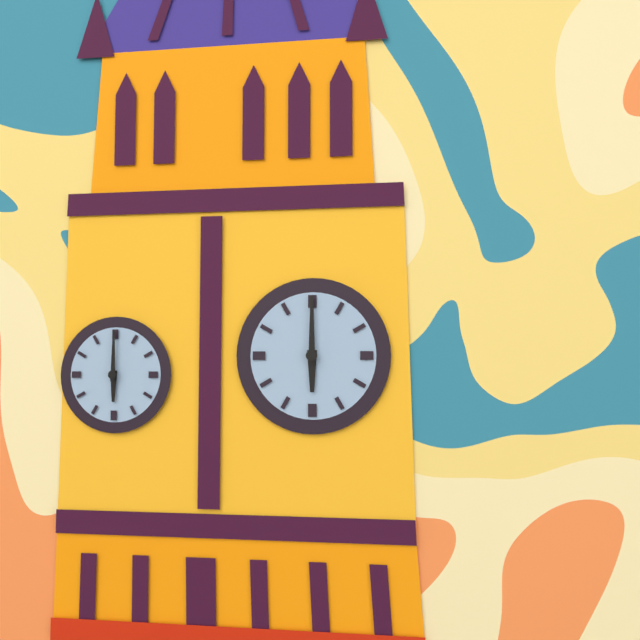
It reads 6:00
